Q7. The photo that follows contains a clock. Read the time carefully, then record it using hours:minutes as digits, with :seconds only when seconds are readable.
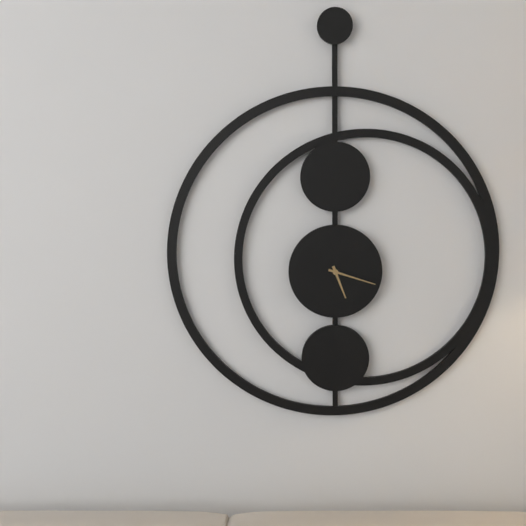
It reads 5:18
